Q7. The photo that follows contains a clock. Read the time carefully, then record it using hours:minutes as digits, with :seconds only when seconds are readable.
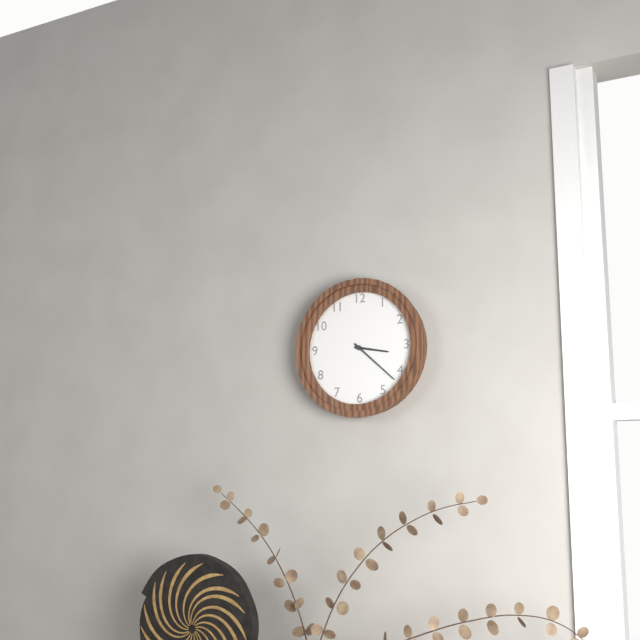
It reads 3:22
